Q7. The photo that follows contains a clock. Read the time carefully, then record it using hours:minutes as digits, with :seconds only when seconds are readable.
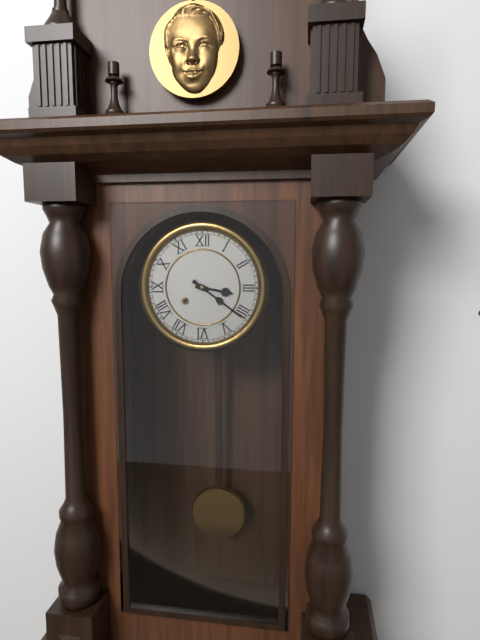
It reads 3:21
